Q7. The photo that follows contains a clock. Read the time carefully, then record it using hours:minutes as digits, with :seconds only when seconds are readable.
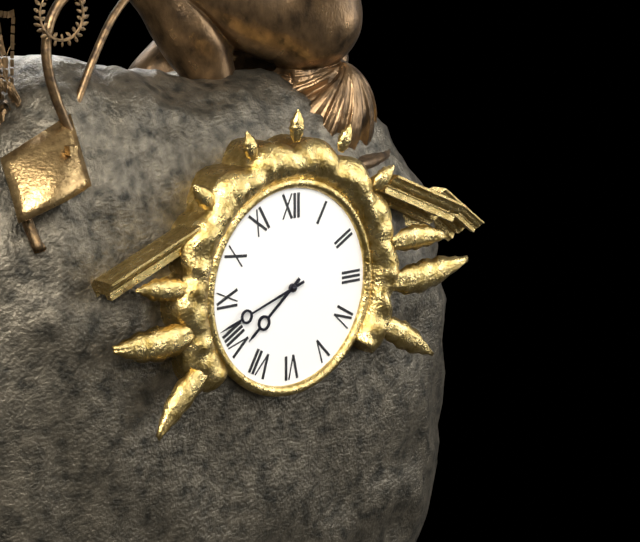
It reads 7:42
